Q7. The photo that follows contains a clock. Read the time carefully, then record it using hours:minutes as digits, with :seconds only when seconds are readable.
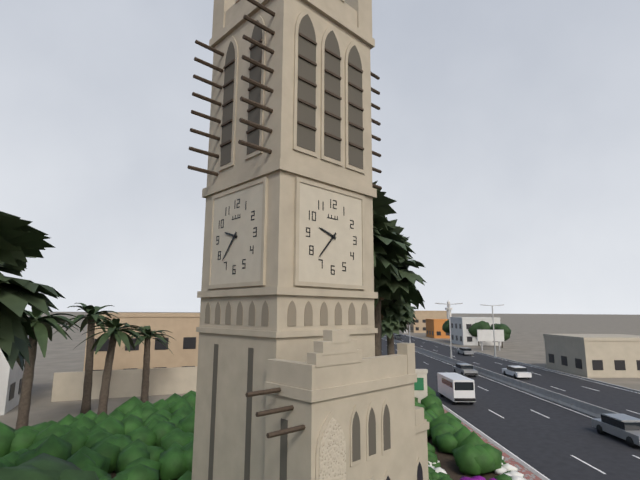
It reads 9:37
